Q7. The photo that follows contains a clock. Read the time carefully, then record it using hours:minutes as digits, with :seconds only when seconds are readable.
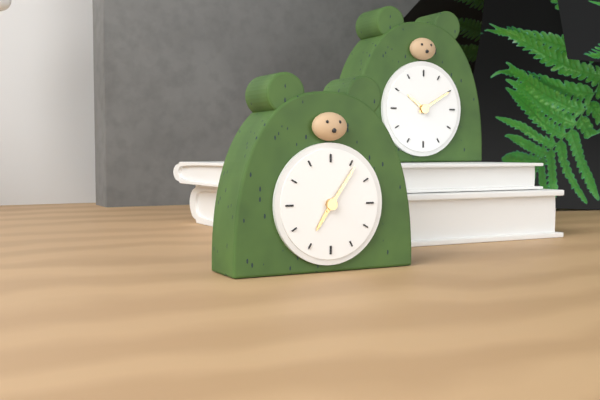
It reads 7:06
